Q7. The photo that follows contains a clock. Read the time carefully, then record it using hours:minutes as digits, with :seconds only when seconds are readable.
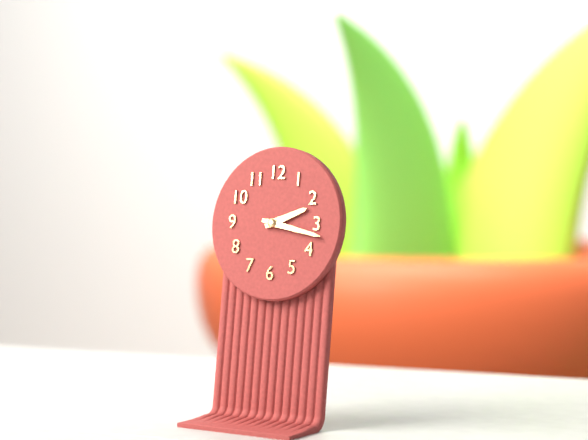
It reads 2:17
